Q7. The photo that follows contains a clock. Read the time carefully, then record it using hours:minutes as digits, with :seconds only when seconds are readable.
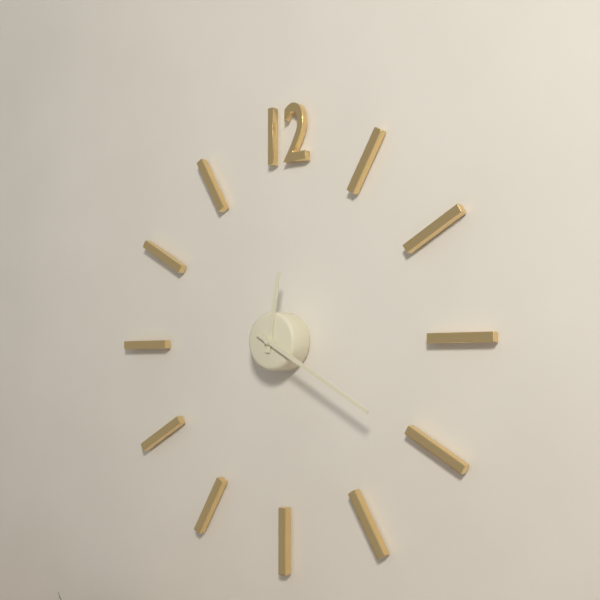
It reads 12:20
